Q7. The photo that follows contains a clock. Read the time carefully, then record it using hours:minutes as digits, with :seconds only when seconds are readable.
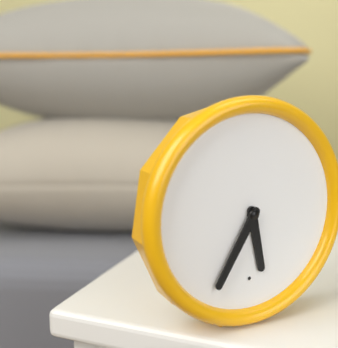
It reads 5:35
